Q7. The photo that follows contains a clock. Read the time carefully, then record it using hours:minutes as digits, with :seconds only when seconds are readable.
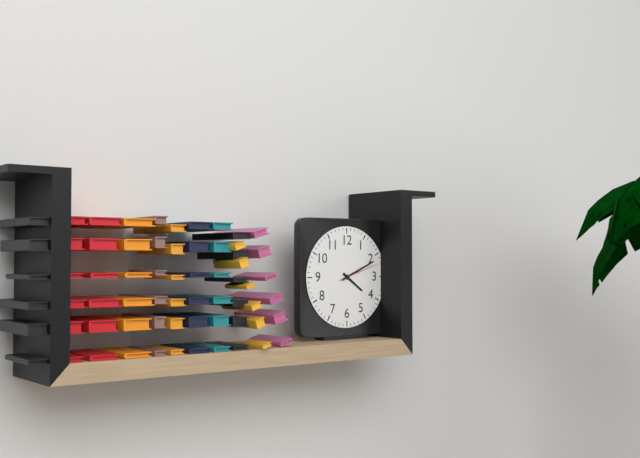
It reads 4:11
